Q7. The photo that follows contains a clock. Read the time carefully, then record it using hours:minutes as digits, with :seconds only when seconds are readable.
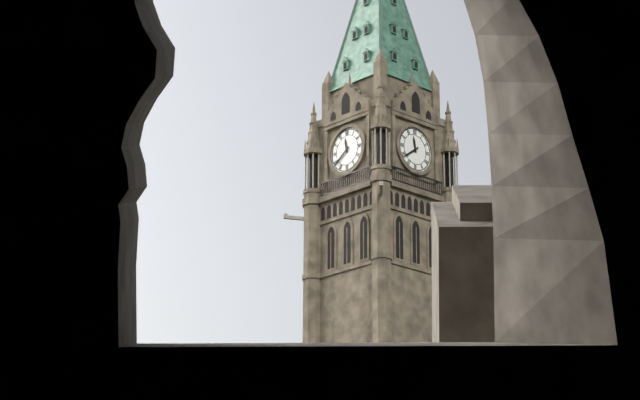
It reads 11:39
